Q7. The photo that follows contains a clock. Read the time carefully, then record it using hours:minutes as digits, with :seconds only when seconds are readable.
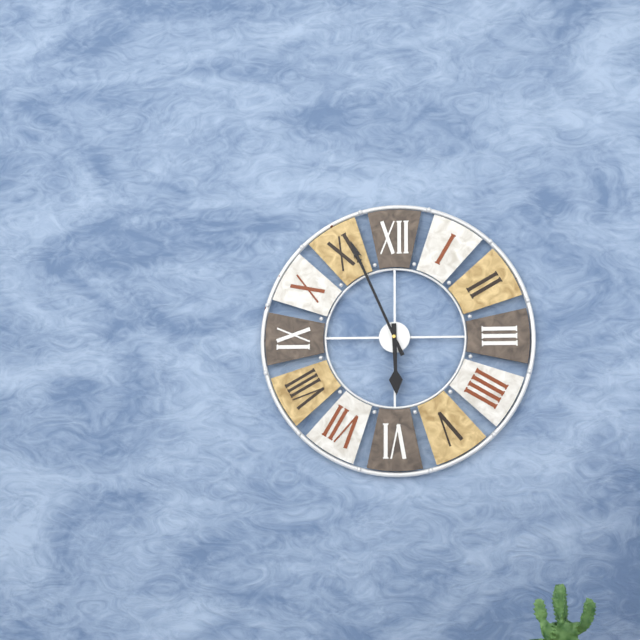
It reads 5:56
